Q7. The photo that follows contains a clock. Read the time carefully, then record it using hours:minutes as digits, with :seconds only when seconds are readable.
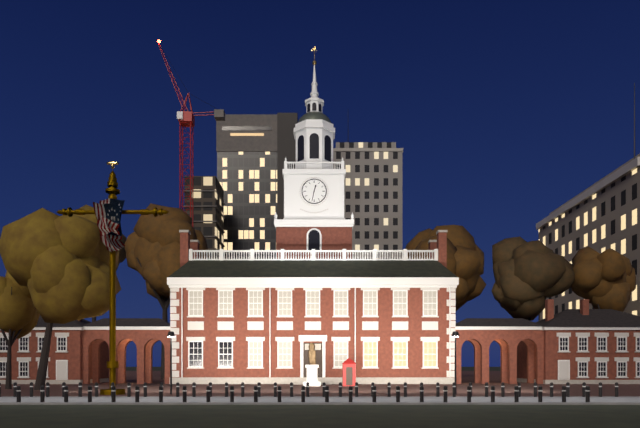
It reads 12:32
